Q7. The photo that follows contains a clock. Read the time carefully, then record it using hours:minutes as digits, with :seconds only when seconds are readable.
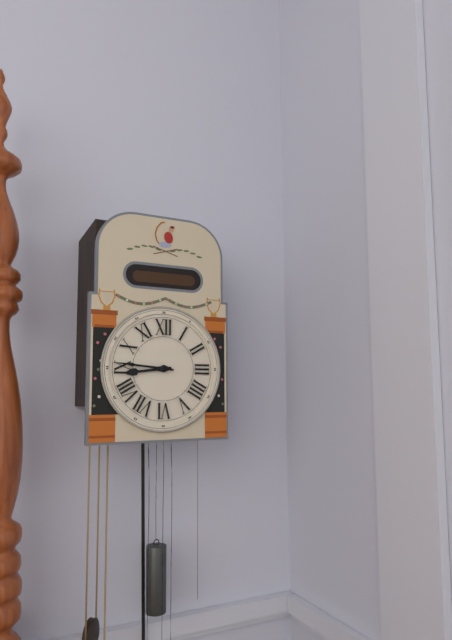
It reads 8:46
